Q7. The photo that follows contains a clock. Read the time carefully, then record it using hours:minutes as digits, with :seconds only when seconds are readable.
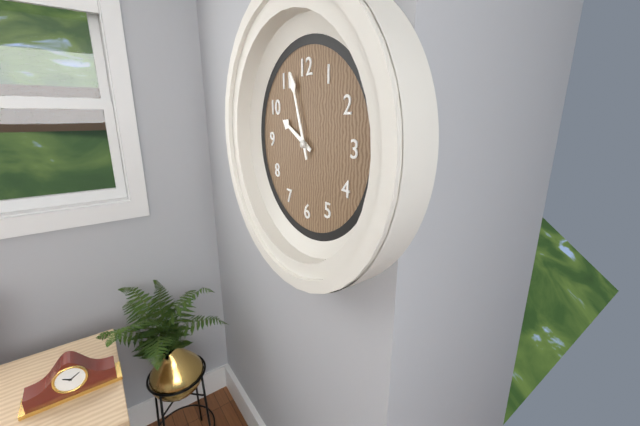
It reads 9:57
